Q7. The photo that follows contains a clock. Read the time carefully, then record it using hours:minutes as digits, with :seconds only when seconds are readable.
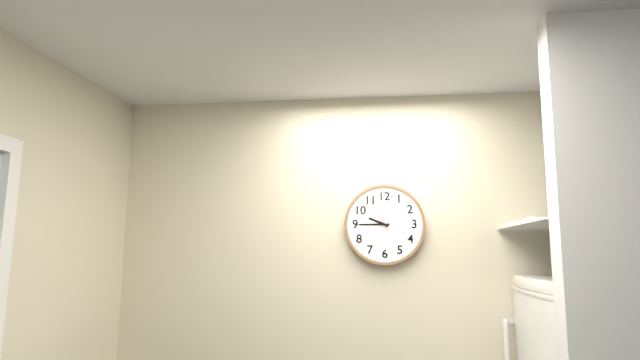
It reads 9:45
